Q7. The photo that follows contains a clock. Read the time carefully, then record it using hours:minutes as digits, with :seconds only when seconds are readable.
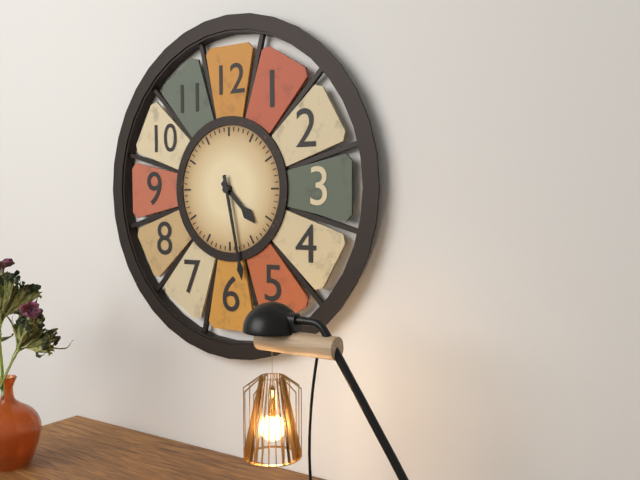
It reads 4:28
